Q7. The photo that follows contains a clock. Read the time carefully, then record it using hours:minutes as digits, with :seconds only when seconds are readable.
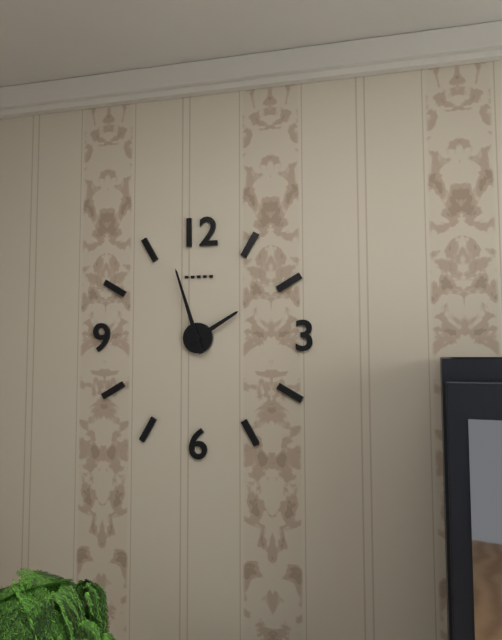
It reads 1:57
